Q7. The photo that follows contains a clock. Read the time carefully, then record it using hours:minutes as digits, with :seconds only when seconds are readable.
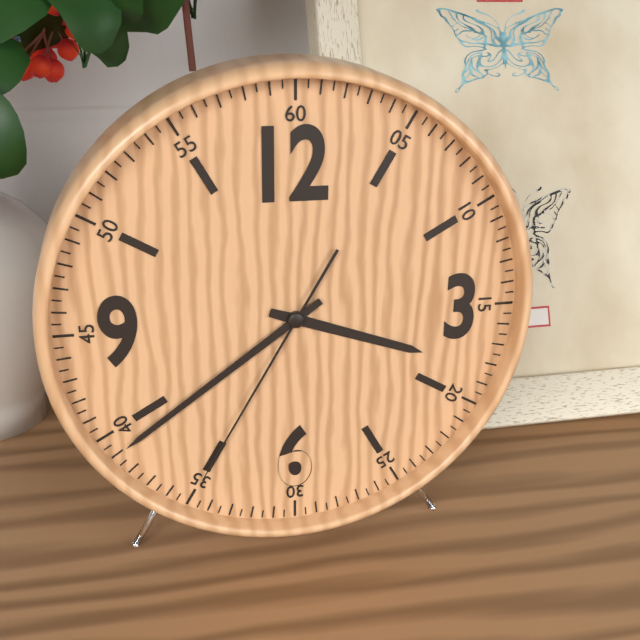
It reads 3:39:35
